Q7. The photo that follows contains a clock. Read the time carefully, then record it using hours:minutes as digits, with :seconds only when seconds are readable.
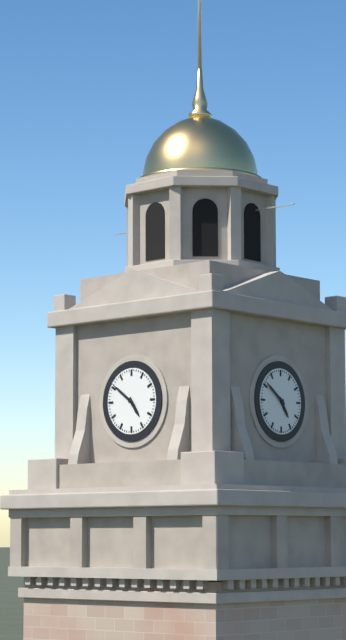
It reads 4:51
